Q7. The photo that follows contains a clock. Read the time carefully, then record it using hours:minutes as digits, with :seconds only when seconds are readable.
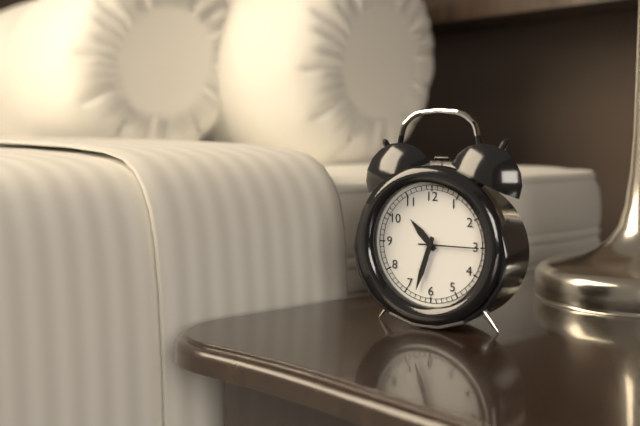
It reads 10:33:15
